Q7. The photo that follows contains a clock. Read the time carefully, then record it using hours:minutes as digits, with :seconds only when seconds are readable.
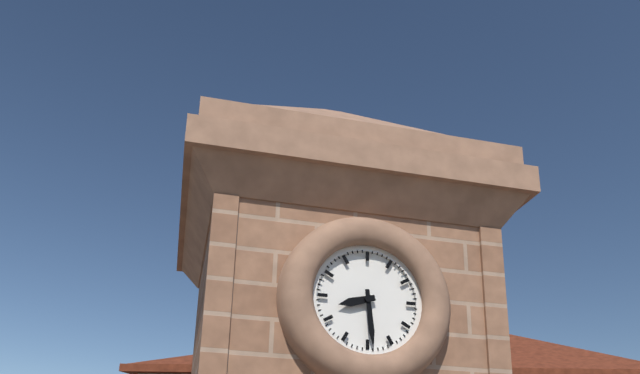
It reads 8:29
